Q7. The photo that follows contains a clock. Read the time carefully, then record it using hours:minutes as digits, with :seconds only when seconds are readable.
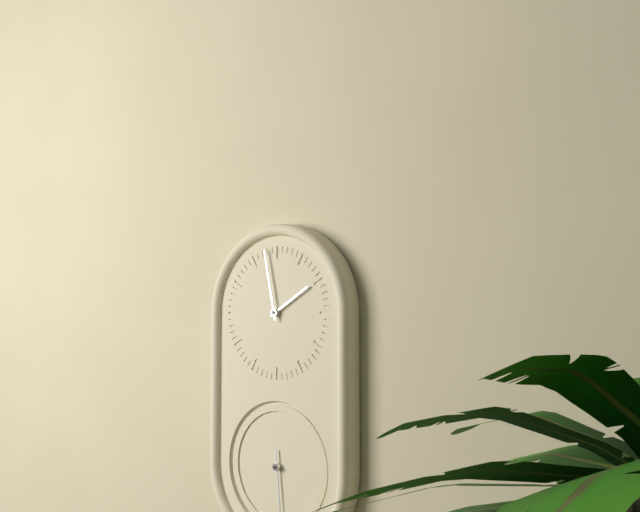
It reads 1:58
